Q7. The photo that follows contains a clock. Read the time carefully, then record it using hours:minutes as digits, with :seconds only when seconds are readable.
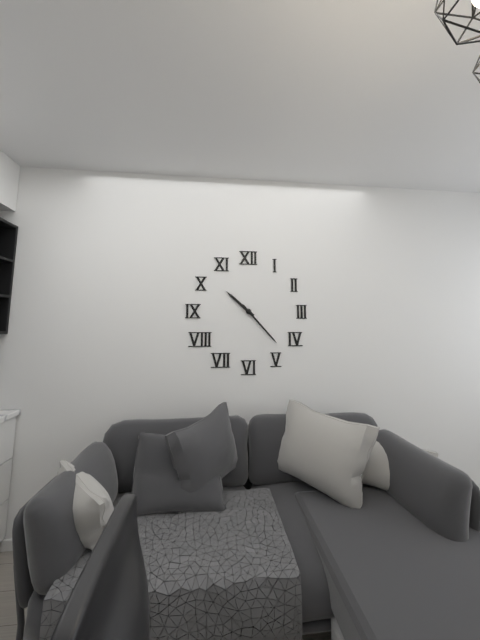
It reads 10:23
